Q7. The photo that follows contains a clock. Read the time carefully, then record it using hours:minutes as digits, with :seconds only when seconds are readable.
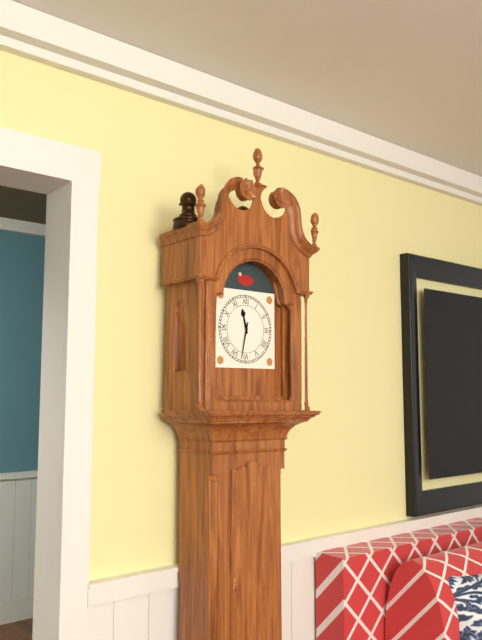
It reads 11:32
